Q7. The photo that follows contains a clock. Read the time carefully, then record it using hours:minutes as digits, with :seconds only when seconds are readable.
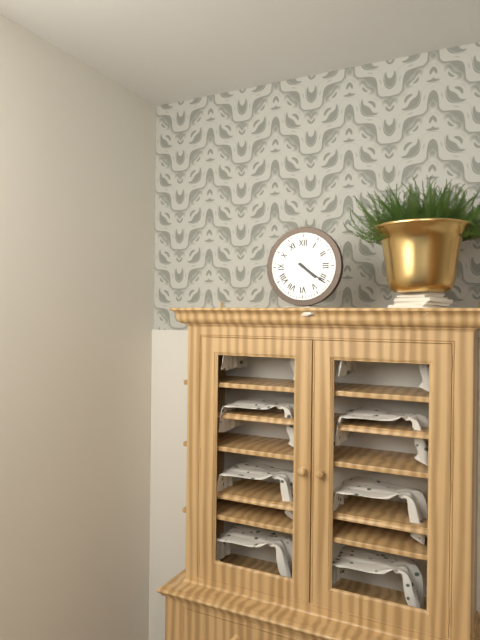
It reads 4:21
